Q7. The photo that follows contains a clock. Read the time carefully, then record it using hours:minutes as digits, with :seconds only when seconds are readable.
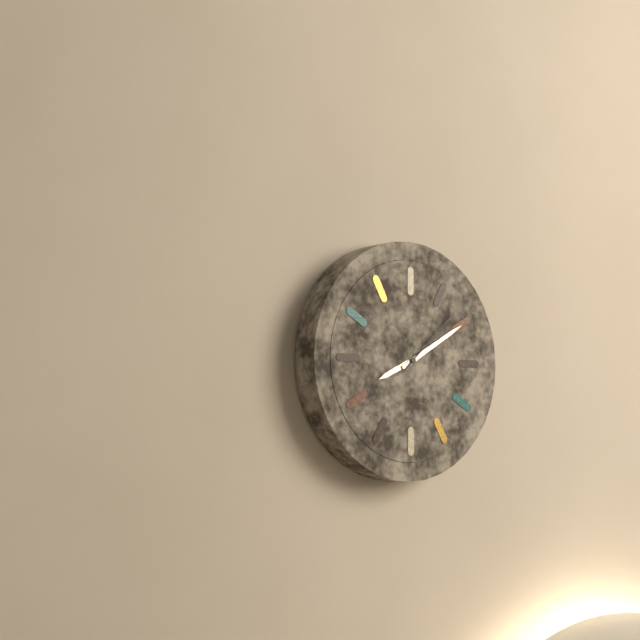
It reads 8:10:08
